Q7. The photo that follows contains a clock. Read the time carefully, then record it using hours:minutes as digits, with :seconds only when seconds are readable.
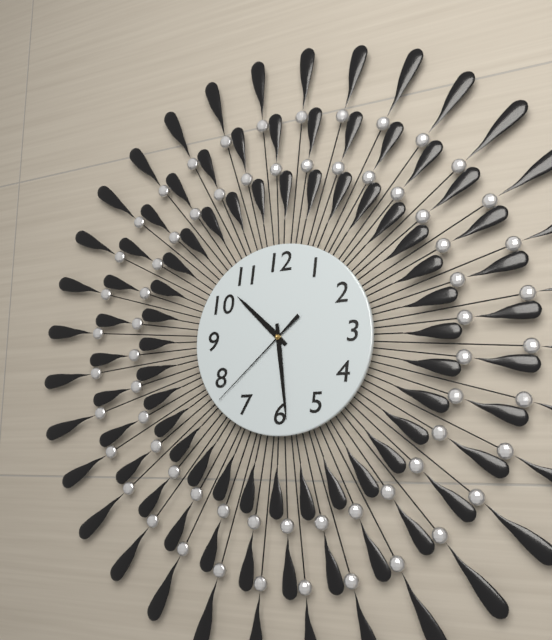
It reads 10:29:38
